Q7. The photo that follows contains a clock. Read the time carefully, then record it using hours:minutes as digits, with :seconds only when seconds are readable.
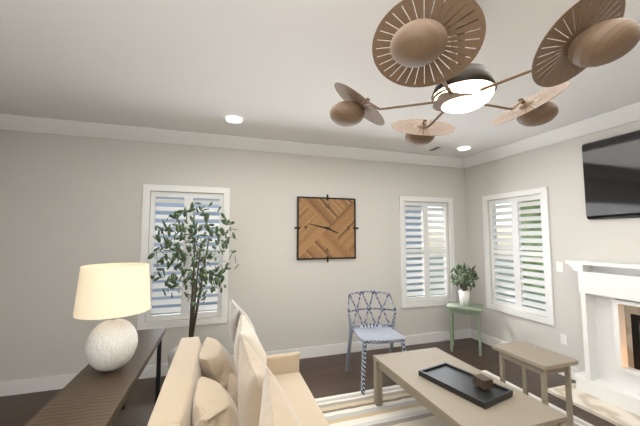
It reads 3:47
